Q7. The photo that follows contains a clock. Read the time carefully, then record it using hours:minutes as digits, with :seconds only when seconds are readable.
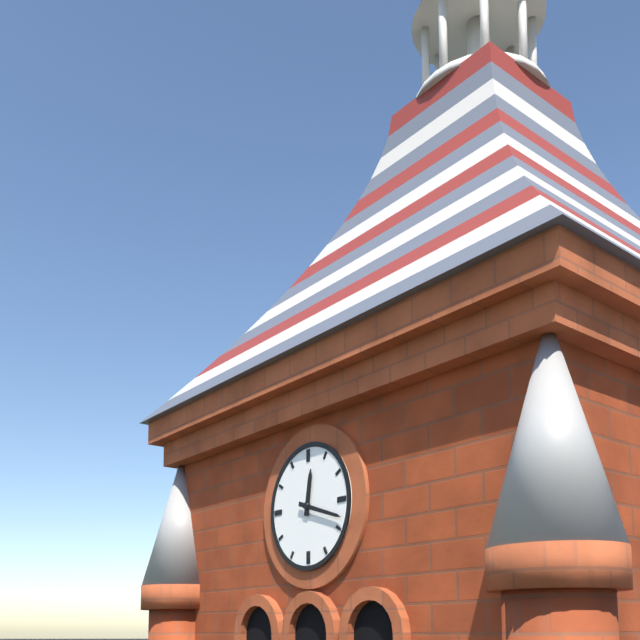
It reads 12:18
